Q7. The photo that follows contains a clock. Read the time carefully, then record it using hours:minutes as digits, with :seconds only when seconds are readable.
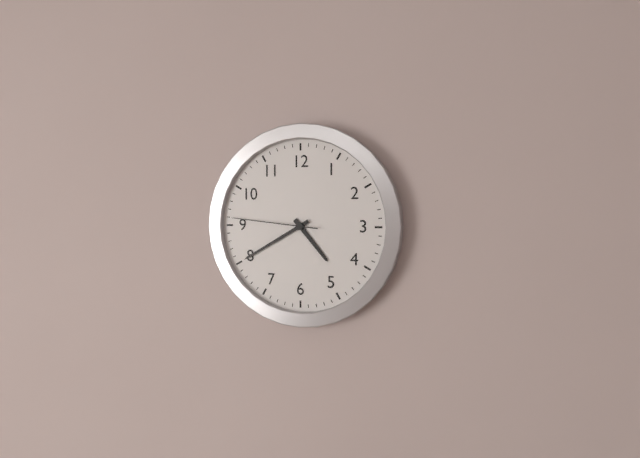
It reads 4:40:46
